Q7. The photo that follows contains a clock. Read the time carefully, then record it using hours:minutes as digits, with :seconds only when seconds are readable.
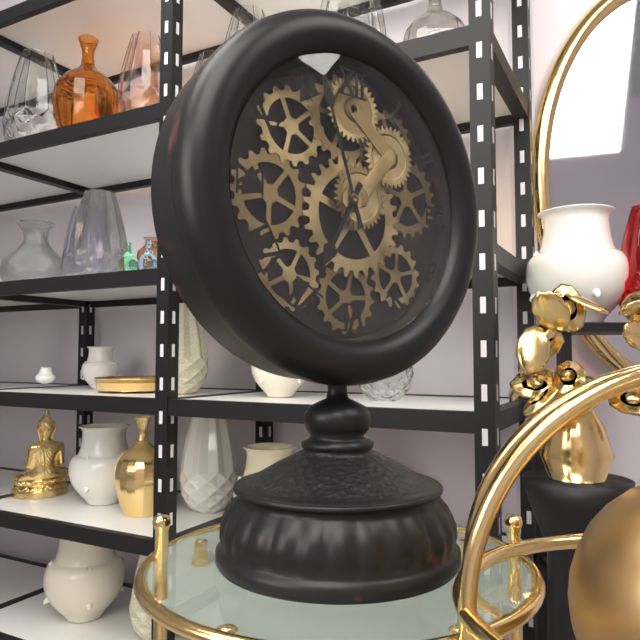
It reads 6:57
